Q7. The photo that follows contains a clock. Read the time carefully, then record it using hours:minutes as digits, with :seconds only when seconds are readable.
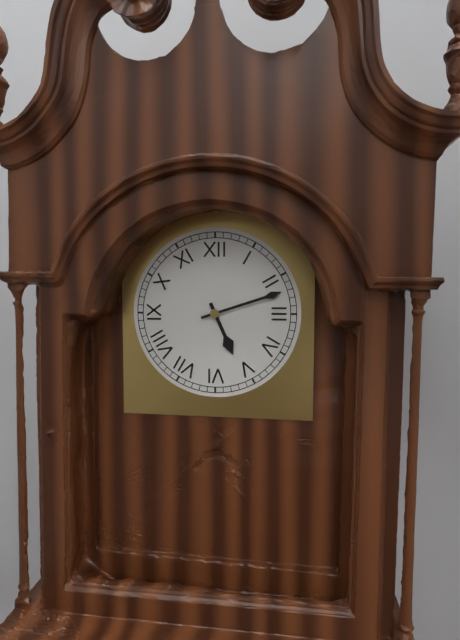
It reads 5:12
